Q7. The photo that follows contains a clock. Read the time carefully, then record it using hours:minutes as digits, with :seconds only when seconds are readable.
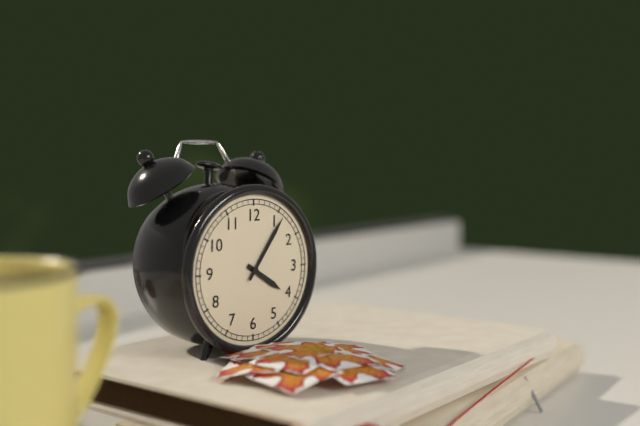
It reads 4:06
